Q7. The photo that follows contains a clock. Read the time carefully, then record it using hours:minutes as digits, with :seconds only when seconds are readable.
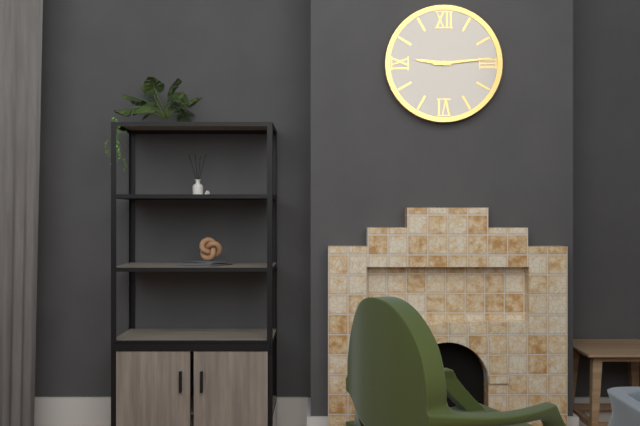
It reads 9:14
